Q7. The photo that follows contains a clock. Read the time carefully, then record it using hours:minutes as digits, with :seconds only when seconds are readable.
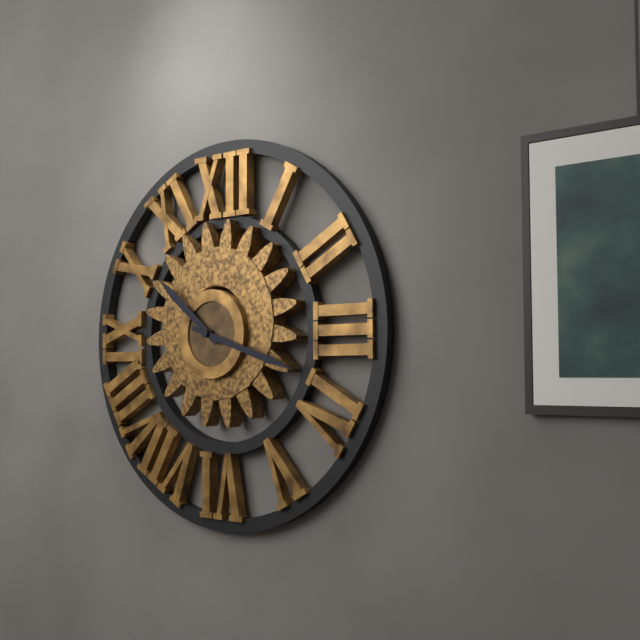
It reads 10:18
